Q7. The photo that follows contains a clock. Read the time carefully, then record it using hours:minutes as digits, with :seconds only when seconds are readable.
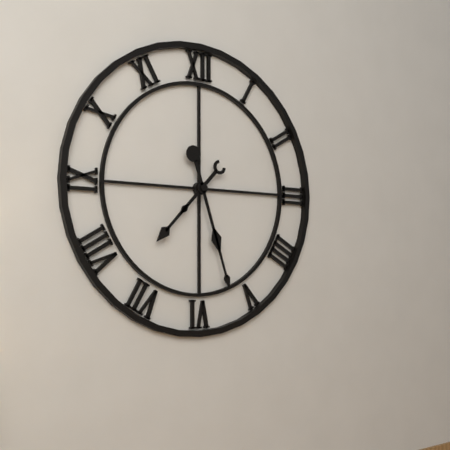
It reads 7:27
